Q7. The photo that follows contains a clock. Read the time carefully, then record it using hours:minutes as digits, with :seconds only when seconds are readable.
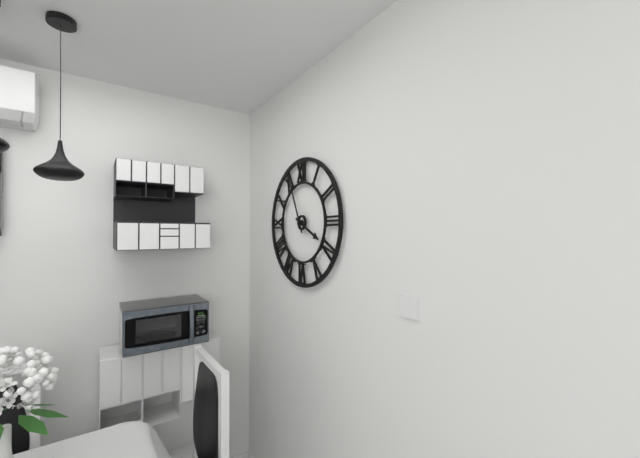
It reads 3:56
